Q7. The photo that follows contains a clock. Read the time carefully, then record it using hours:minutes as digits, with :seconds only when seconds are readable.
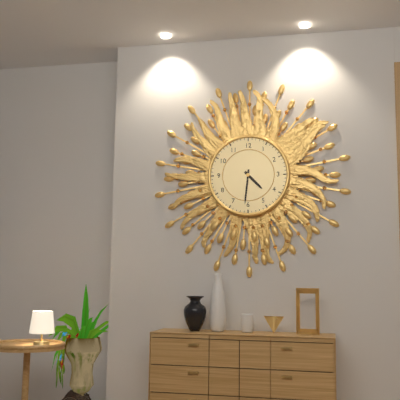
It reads 4:31
